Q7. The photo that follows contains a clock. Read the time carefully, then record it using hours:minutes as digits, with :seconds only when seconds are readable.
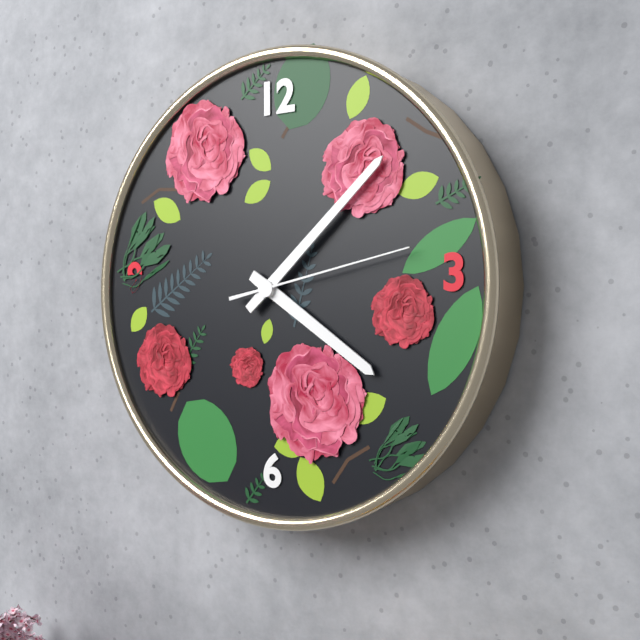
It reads 4:08:13
